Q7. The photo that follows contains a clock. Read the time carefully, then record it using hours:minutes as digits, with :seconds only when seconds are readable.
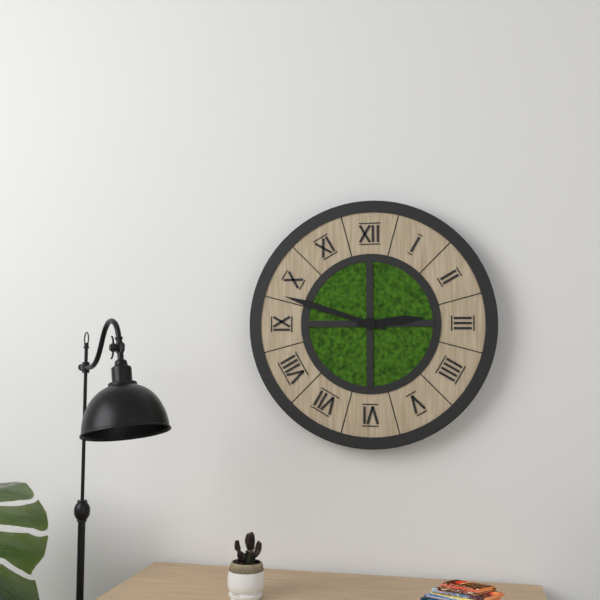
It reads 2:48
